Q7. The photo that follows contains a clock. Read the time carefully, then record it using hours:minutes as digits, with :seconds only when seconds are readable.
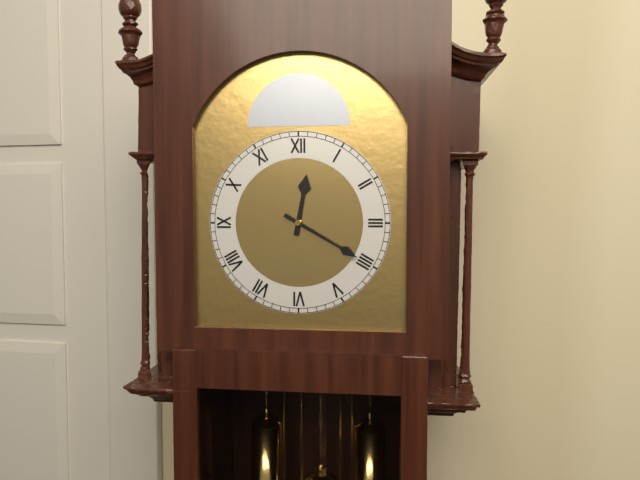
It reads 12:20
